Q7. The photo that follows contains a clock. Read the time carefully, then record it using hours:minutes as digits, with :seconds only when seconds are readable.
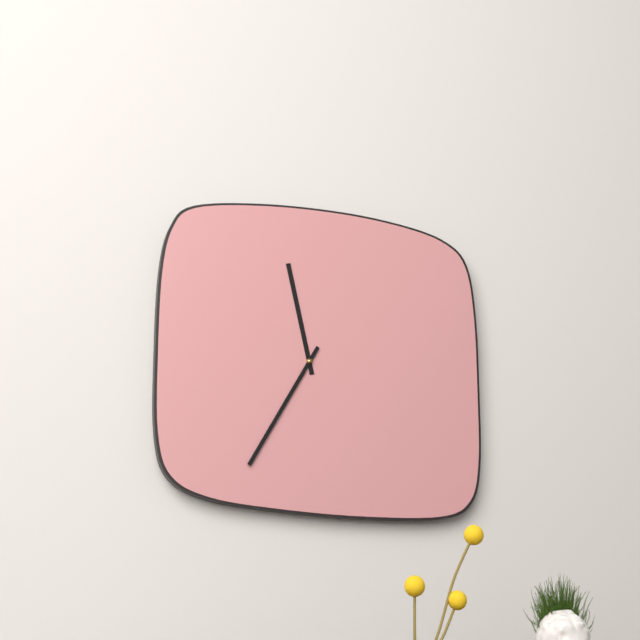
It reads 11:35
